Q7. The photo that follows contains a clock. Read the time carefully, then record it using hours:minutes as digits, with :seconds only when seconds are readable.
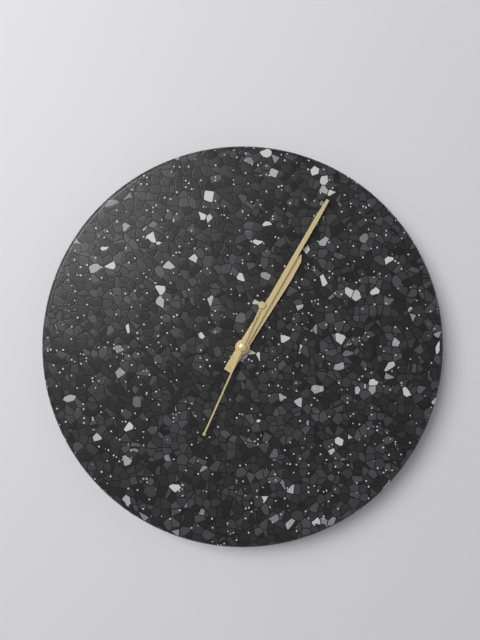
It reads 1:05:34
